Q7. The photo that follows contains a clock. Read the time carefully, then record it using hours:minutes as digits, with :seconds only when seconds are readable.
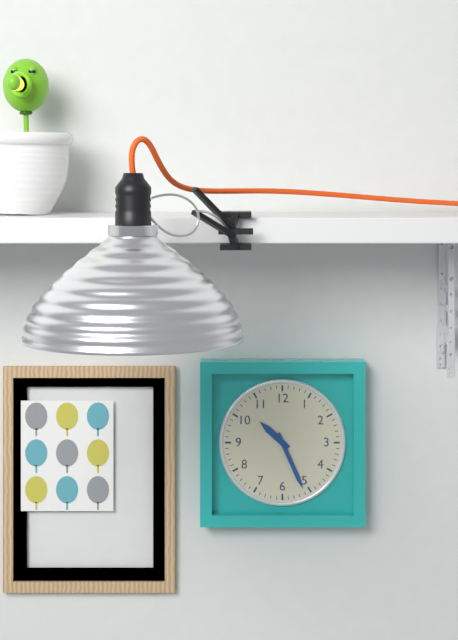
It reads 10:26
